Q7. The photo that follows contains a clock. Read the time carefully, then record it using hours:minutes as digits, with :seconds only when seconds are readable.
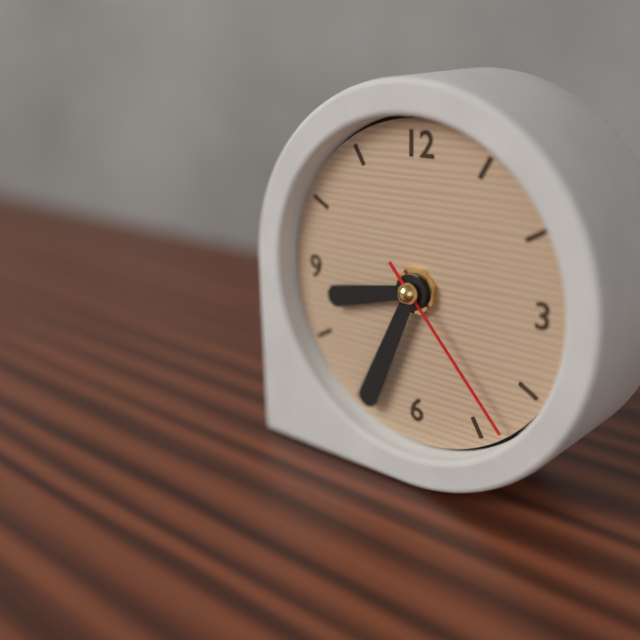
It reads 8:34:23
